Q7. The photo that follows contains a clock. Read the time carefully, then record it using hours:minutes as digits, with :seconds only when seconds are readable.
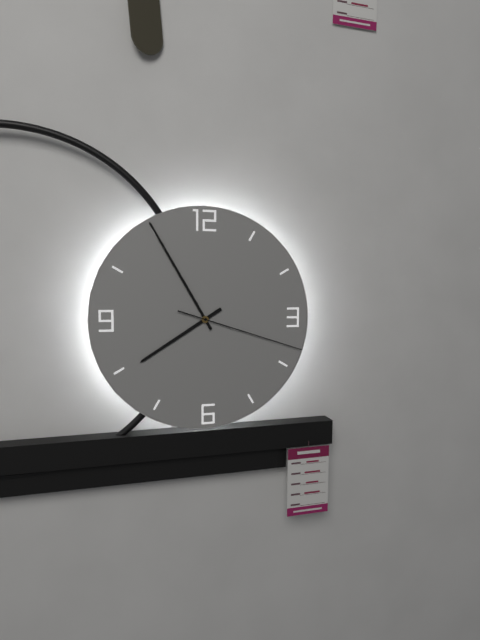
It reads 7:55:18
